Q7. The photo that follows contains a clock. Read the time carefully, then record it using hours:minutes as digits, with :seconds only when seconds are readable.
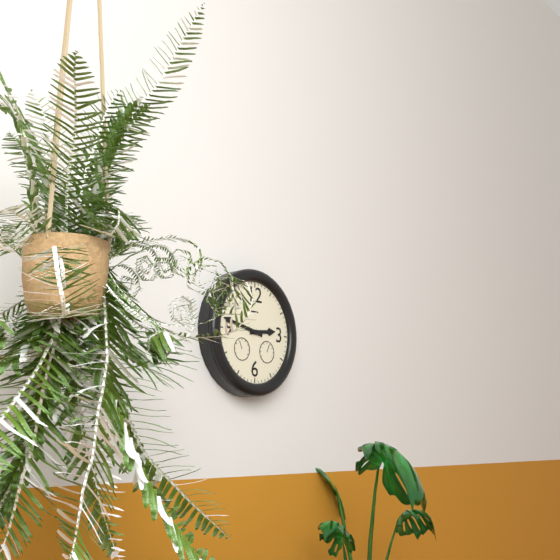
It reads 2:47
